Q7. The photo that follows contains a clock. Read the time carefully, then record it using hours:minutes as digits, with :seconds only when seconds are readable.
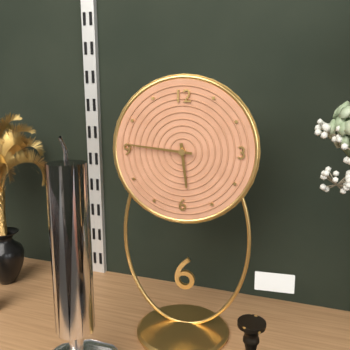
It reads 5:46
